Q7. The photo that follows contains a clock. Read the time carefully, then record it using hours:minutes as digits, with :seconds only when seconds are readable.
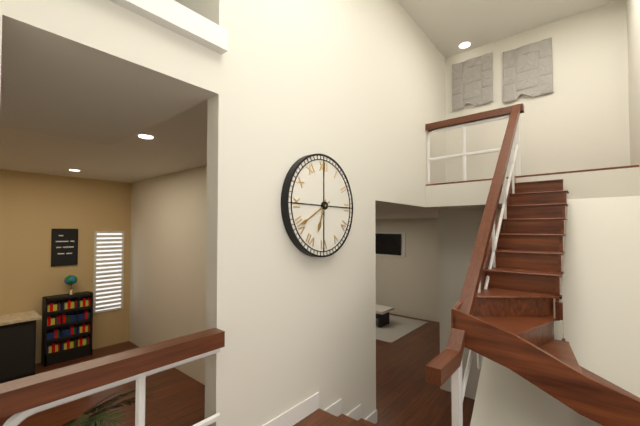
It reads 6:40
